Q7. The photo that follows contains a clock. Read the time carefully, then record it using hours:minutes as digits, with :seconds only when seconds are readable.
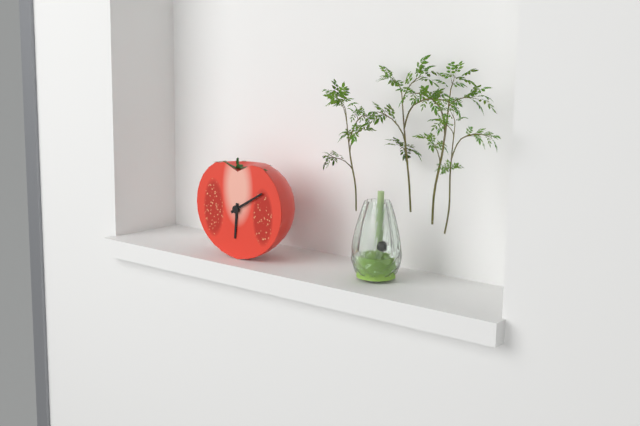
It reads 6:10
